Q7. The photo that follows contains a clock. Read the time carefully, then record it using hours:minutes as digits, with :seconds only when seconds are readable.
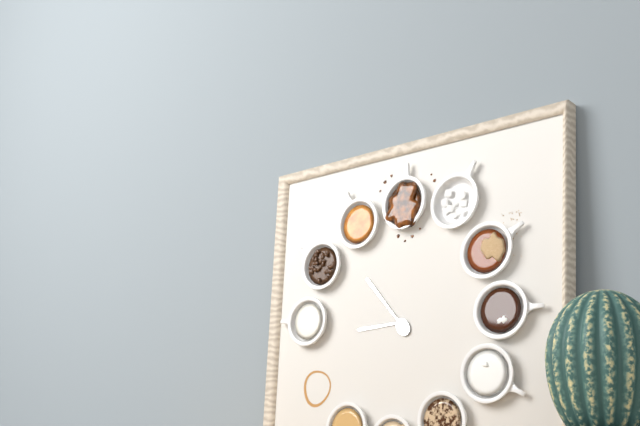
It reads 8:53
